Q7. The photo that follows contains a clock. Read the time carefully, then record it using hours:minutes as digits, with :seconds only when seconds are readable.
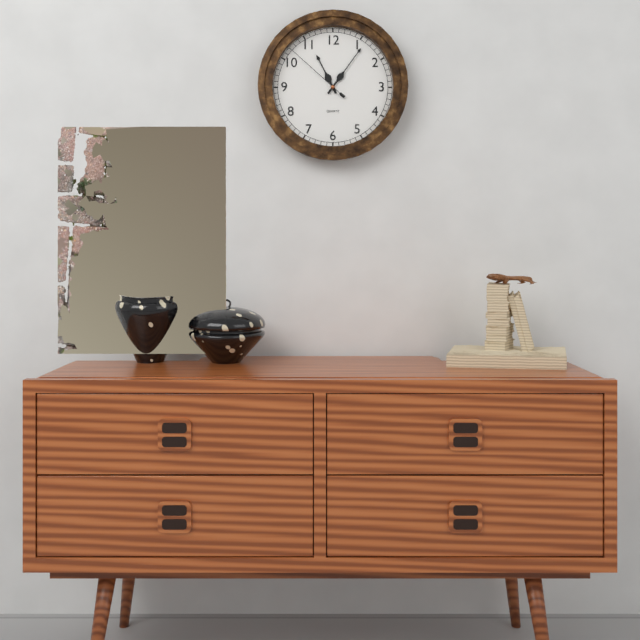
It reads 11:06:52
